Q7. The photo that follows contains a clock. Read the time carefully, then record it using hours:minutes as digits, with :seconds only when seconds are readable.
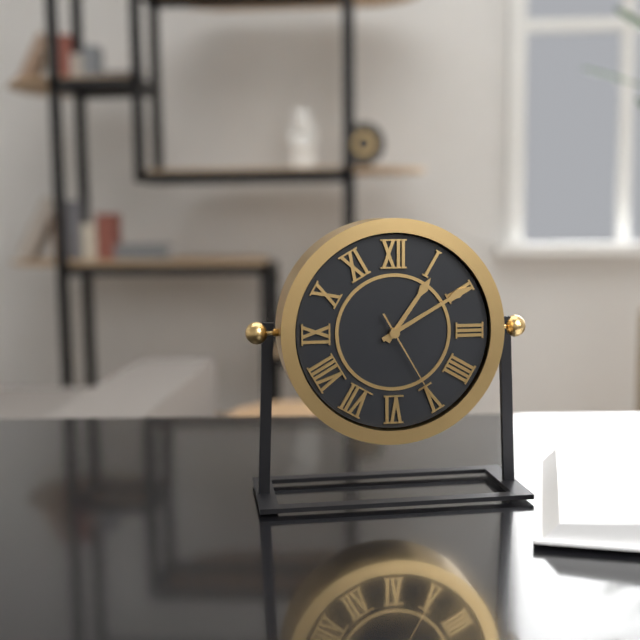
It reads 1:10:25
